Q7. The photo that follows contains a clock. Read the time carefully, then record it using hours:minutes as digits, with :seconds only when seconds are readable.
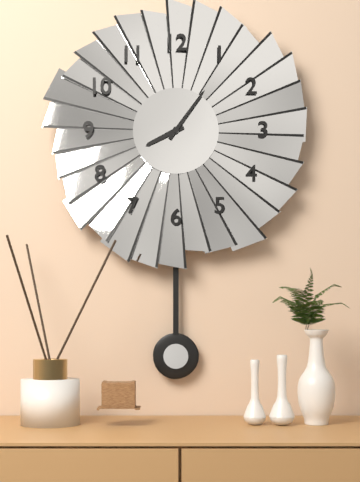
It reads 8:06
